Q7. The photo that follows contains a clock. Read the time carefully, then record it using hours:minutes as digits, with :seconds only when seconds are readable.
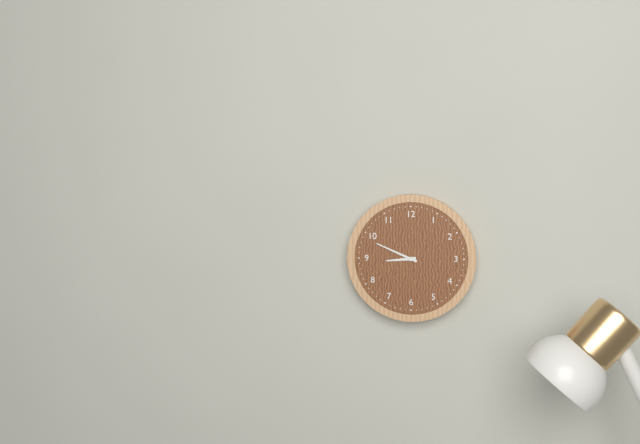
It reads 8:49
